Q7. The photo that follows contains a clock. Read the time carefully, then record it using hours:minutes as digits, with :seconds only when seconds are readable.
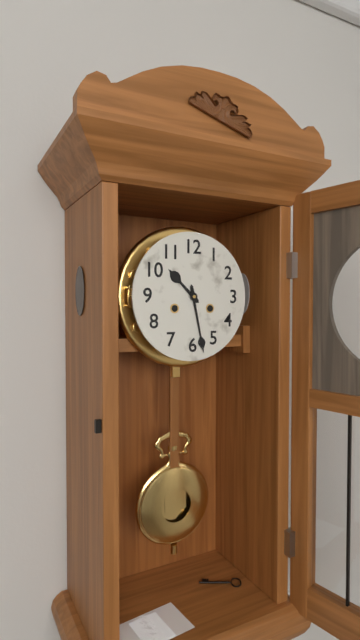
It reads 10:28
